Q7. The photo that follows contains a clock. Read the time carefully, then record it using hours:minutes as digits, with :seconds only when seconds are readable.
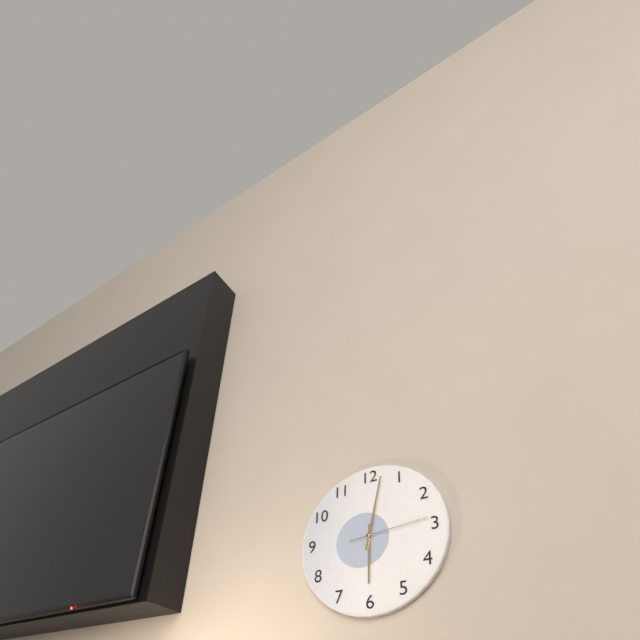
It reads 6:02:14
